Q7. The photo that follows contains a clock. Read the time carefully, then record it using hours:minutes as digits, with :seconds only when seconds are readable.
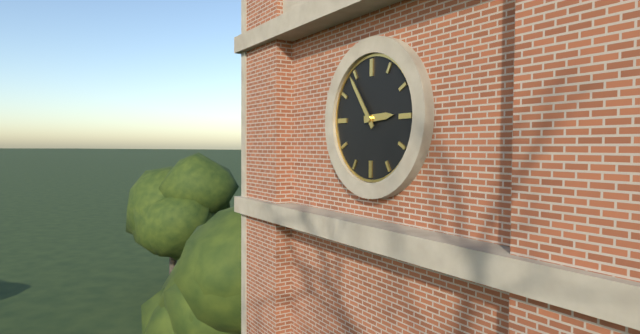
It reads 2:54
